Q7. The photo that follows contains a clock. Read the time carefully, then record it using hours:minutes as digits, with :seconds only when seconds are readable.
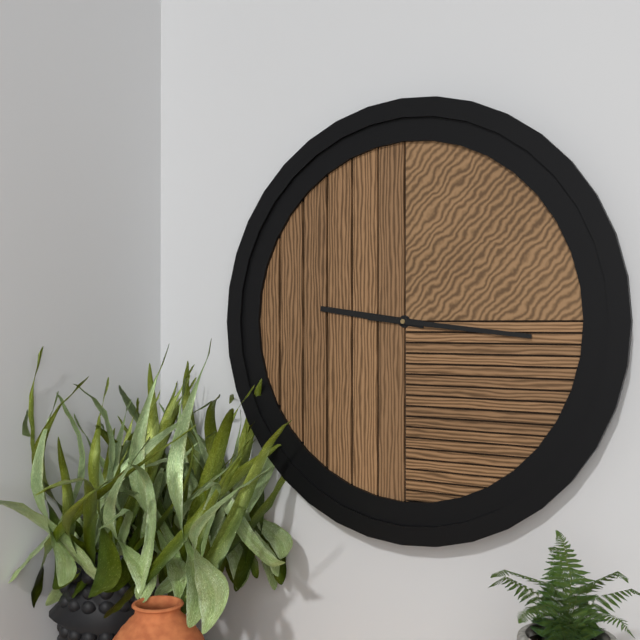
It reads 9:16
